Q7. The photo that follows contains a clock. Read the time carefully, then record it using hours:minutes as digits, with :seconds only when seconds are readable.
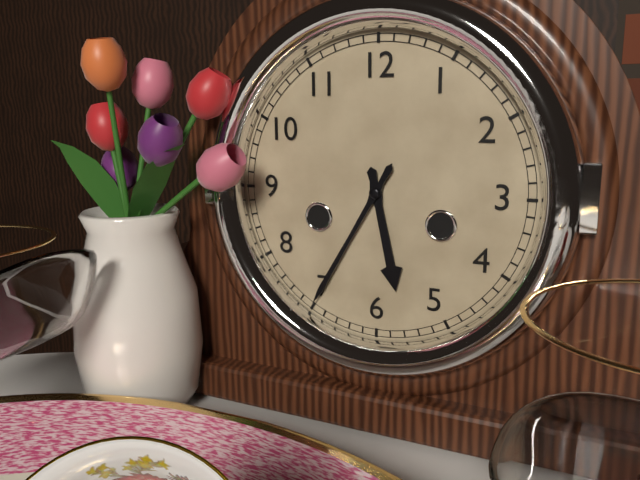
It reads 5:35
